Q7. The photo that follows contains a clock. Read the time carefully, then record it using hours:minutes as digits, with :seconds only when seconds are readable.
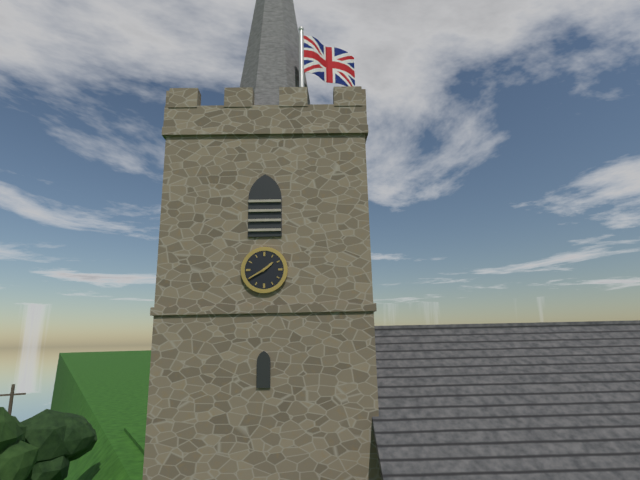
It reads 1:40
